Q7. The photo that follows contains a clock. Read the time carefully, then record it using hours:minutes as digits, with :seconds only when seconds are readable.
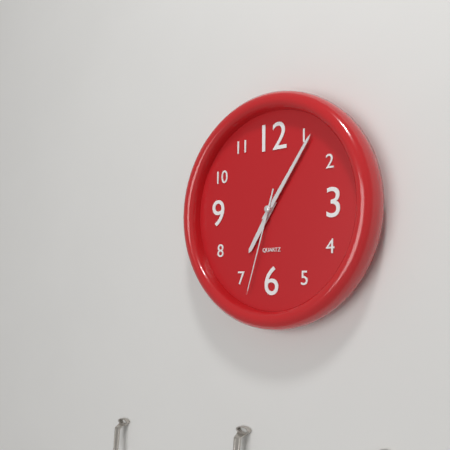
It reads 7:06:33
